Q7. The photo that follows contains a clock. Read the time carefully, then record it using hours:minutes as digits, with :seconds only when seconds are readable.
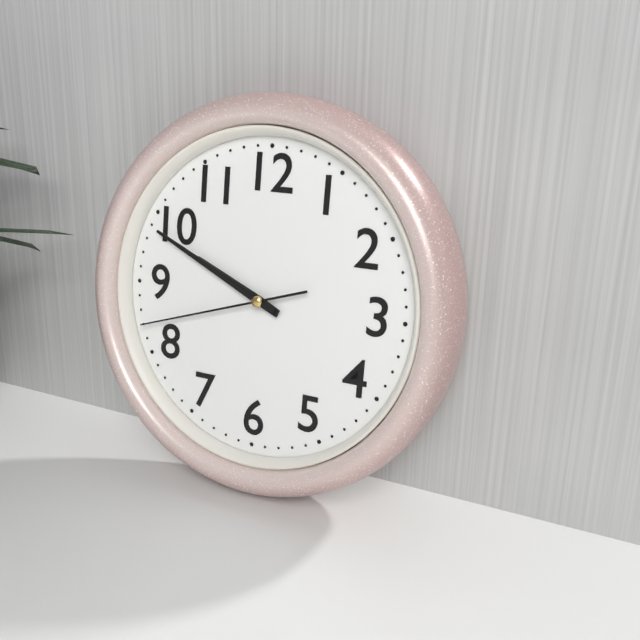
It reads 9:49:42
